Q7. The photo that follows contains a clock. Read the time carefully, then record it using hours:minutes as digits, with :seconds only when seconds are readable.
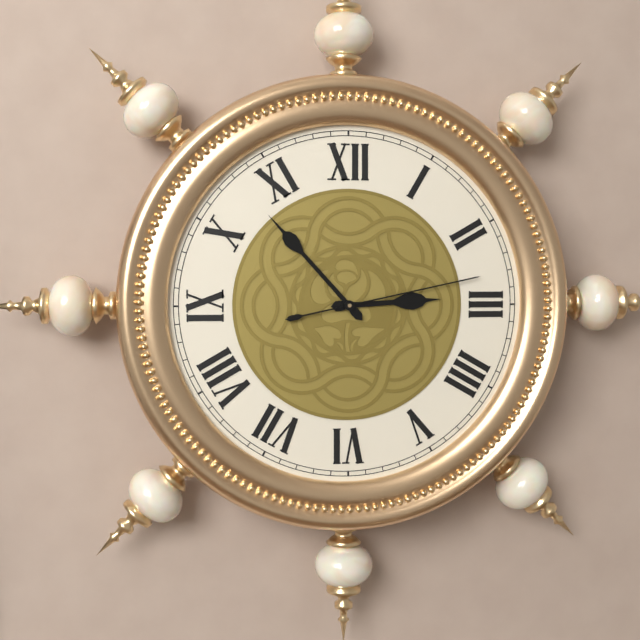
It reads 2:53:13
